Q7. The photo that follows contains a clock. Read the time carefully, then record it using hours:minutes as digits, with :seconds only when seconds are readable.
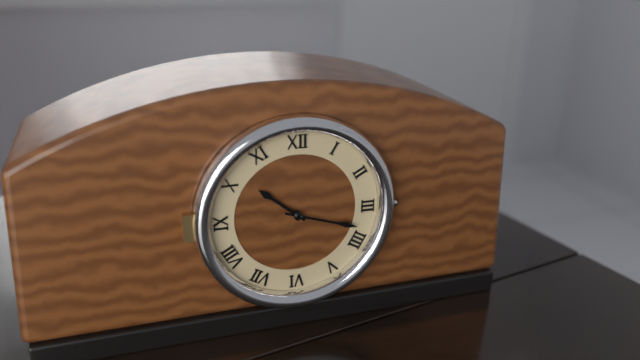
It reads 10:18
